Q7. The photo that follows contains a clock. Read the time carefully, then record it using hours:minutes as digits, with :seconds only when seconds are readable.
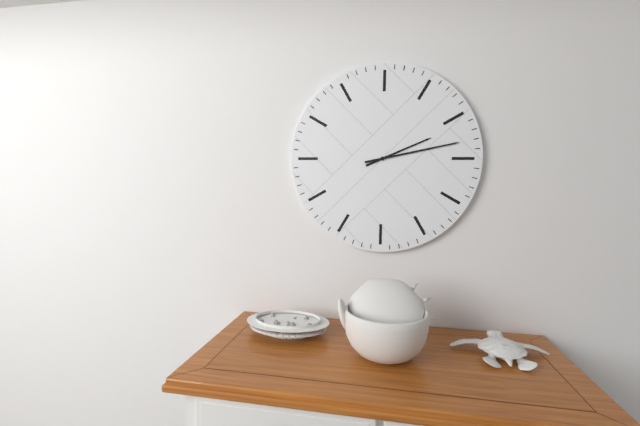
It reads 2:13
